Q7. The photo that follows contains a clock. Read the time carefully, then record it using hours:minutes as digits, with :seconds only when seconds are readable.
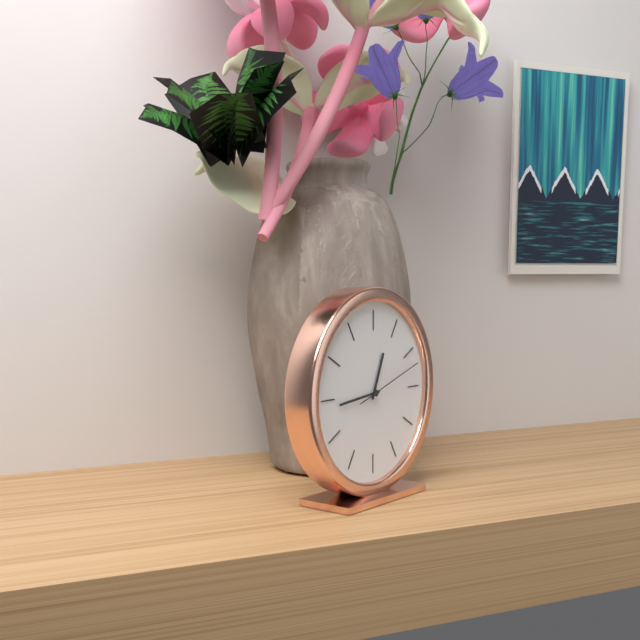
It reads 12:44:12
